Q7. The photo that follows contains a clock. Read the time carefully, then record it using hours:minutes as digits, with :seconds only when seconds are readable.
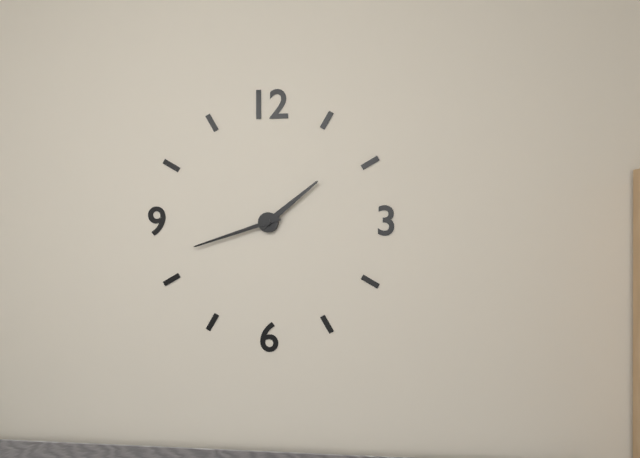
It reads 1:42
